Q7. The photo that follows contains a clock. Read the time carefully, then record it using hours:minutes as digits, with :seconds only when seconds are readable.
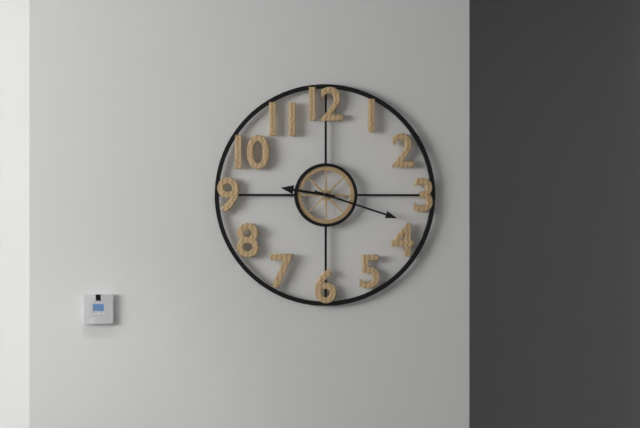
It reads 9:18
